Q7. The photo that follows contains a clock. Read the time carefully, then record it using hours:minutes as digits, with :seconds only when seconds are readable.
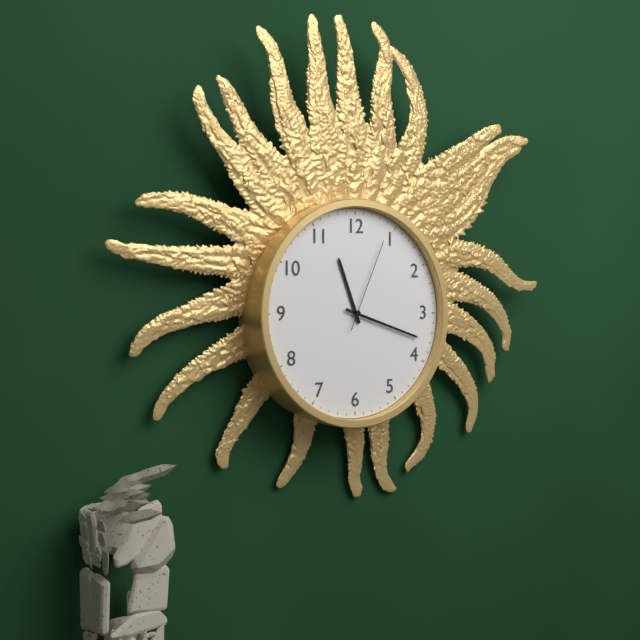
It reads 11:18:04
